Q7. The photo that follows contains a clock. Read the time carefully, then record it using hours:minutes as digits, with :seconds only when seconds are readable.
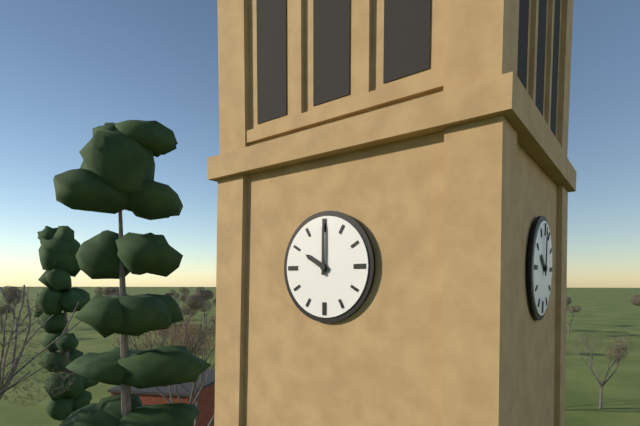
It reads 10:00
